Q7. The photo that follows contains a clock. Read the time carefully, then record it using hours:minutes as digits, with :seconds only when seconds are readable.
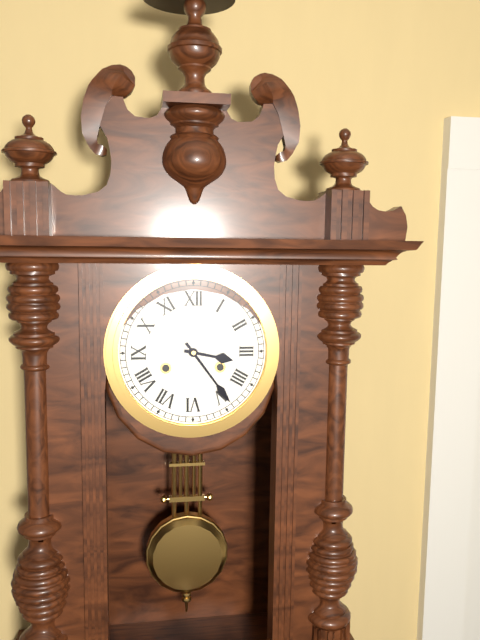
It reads 3:24
